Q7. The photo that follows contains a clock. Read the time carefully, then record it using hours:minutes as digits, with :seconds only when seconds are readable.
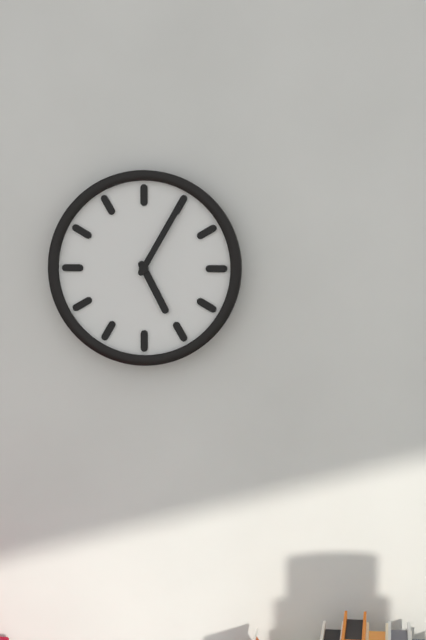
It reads 5:05
